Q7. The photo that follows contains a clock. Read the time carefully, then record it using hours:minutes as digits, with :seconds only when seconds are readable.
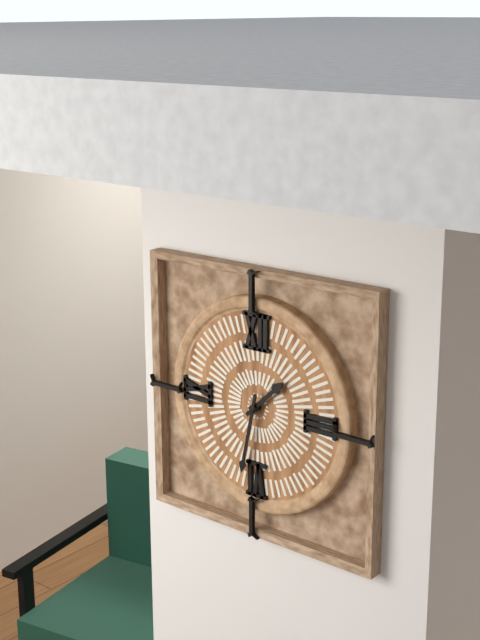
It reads 1:32
